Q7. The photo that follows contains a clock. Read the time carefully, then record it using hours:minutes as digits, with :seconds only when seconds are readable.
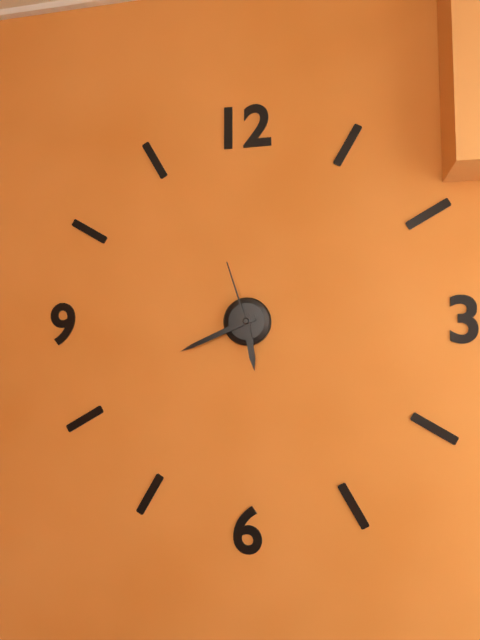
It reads 5:41:57
